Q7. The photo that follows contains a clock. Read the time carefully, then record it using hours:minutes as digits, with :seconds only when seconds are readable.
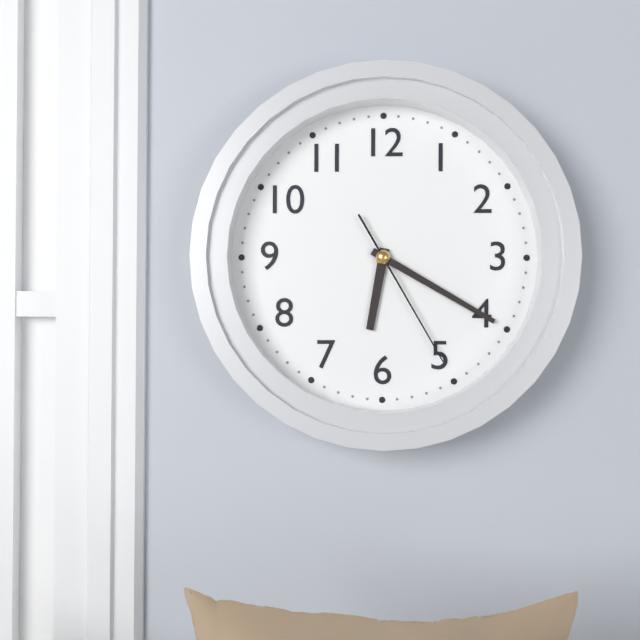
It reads 6:20:25
